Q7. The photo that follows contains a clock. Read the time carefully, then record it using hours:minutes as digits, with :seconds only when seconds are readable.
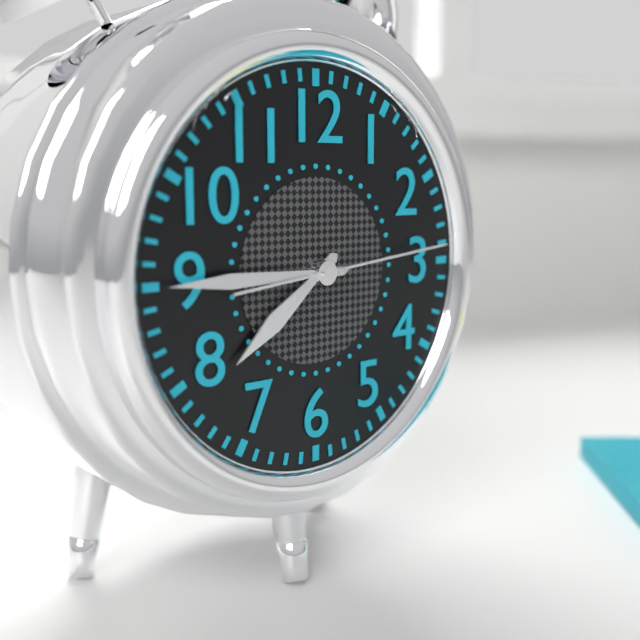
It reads 7:45:14
